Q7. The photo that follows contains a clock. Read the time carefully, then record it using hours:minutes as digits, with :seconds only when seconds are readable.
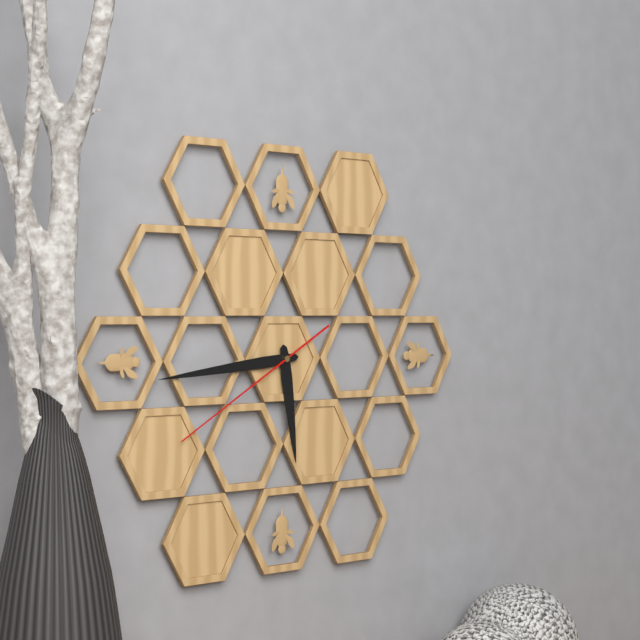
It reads 5:44:40
